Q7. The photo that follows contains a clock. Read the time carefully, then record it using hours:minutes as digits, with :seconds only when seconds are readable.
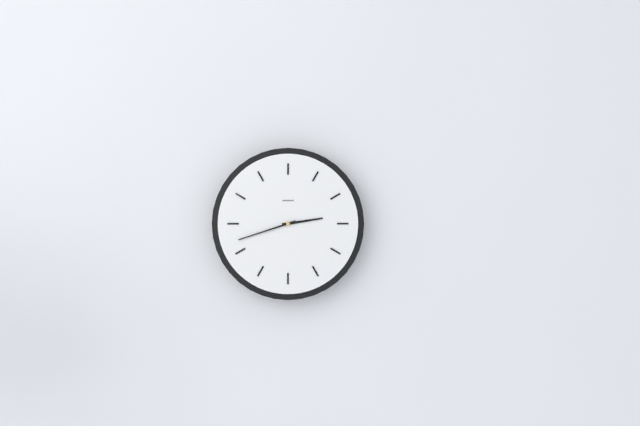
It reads 2:42
